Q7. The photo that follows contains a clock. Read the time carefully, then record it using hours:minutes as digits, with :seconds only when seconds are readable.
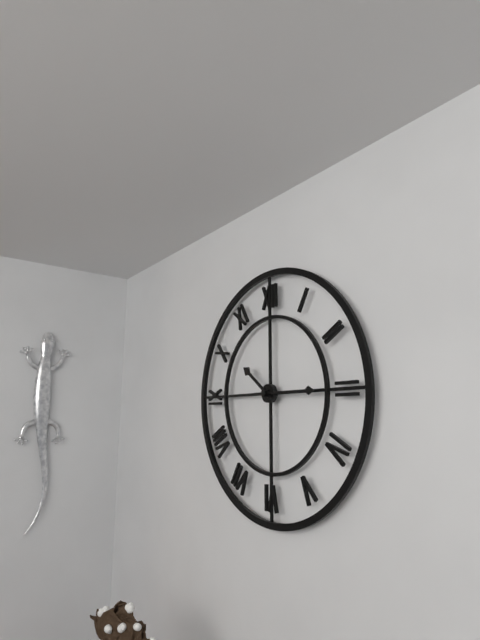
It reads 10:15
